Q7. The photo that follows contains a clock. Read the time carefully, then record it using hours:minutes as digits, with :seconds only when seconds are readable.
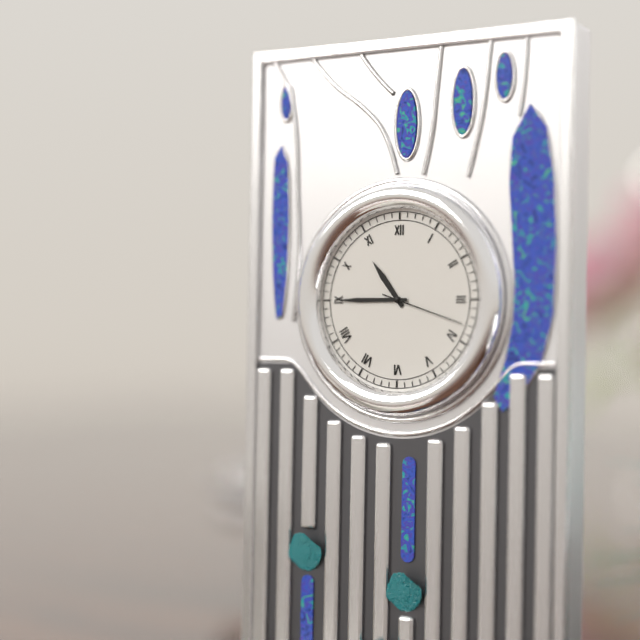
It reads 10:45:18
